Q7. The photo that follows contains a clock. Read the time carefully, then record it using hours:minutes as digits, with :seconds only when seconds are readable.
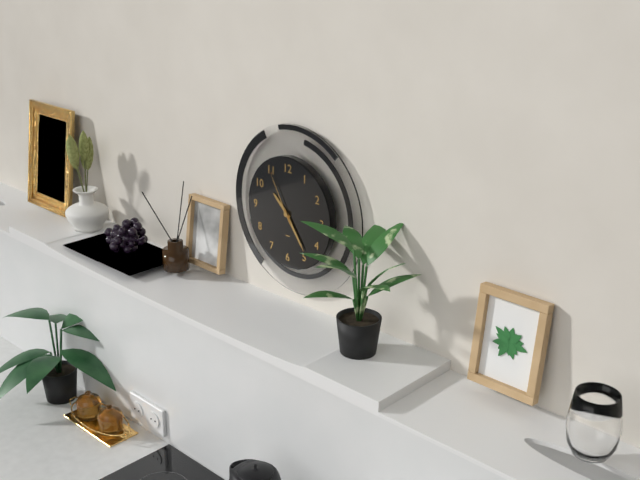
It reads 10:24:55
